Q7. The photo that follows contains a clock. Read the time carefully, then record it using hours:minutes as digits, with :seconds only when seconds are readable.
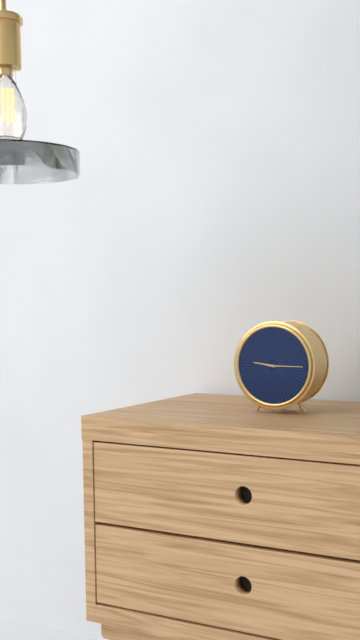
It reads 9:15
